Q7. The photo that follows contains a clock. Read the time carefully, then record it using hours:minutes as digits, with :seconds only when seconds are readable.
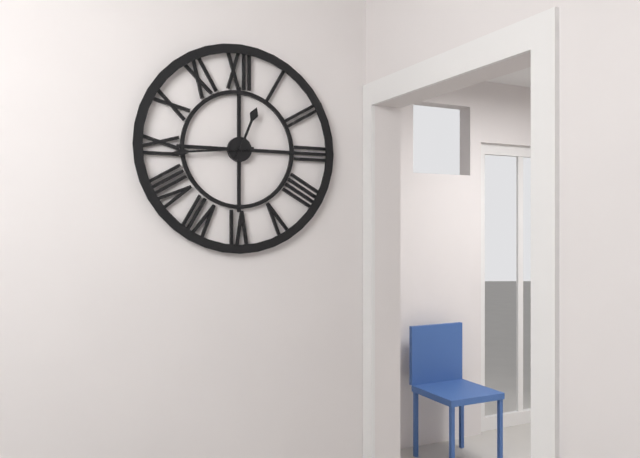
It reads 12:44
